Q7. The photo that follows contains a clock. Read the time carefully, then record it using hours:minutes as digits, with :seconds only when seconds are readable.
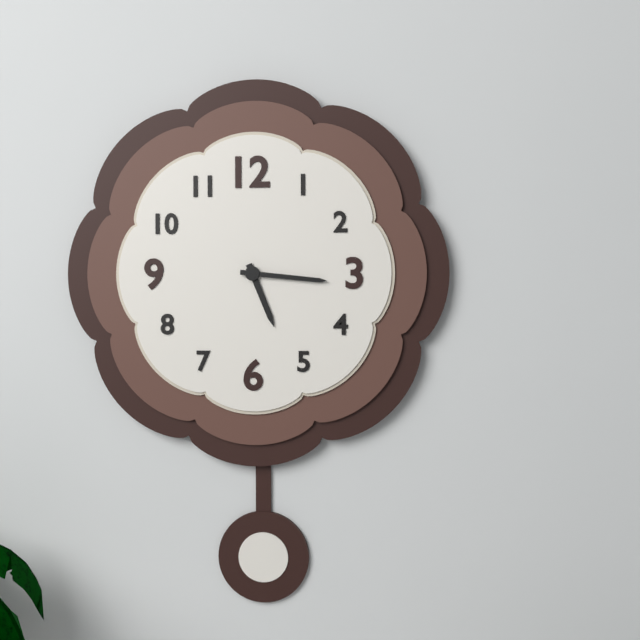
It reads 5:16
